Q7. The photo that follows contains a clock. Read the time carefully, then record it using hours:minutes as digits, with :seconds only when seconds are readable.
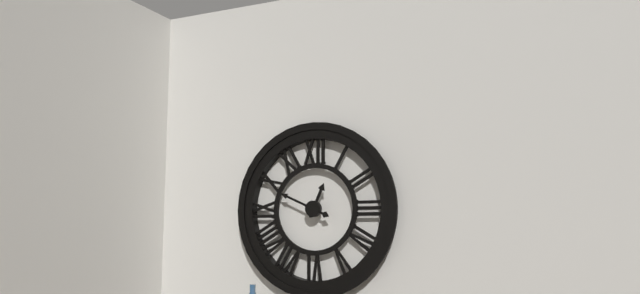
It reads 12:49
